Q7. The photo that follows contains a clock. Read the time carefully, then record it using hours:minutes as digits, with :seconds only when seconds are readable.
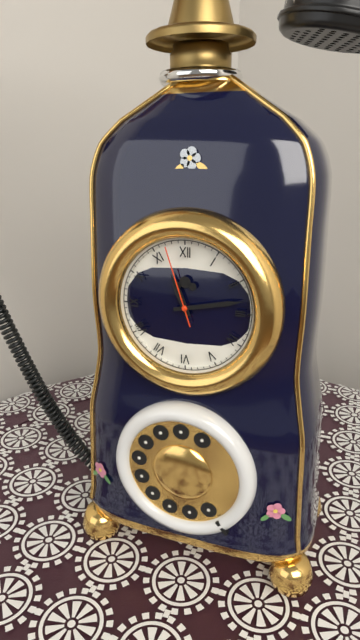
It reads 11:13:57
